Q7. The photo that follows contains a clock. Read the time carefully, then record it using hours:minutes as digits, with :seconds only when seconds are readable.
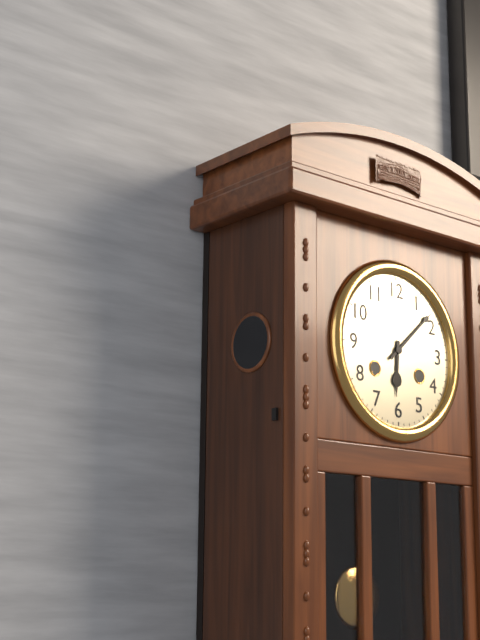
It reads 6:08
